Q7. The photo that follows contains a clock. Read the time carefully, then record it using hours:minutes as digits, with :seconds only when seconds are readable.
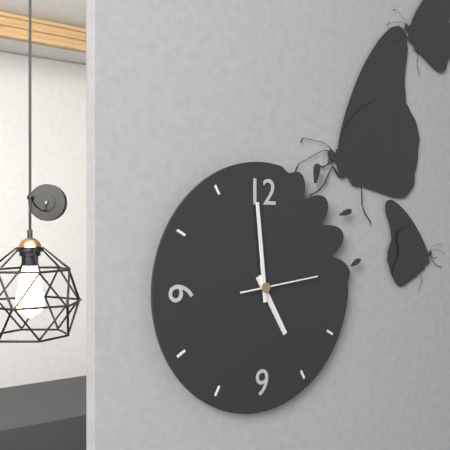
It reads 4:59:14
